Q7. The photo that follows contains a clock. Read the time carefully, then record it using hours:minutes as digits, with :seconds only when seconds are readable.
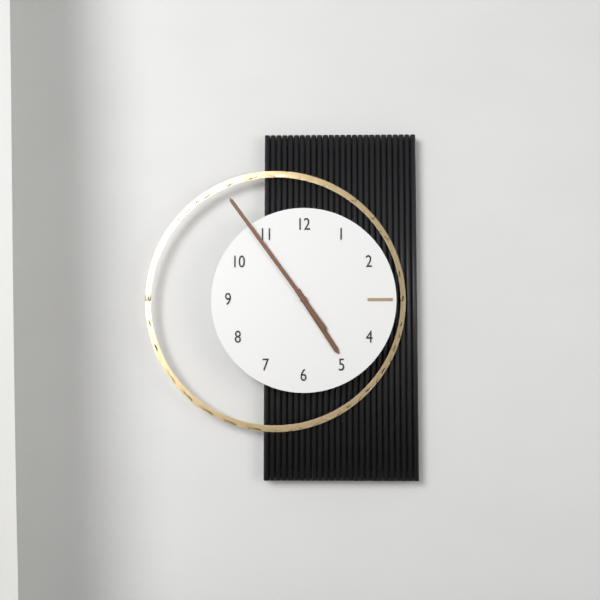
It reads 4:54
